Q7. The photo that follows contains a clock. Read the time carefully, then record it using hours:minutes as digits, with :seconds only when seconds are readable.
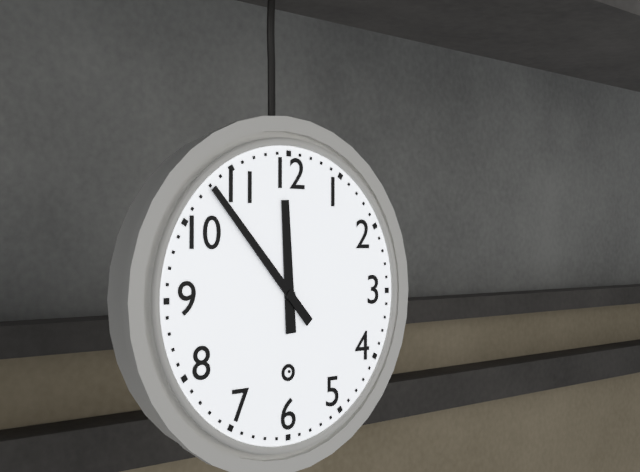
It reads 11:53
